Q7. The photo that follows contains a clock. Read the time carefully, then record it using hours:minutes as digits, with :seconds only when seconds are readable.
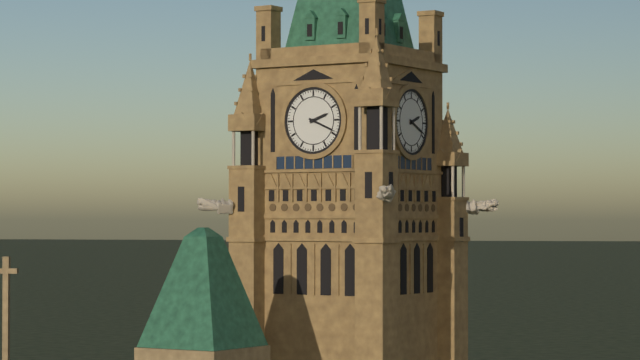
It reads 2:19
